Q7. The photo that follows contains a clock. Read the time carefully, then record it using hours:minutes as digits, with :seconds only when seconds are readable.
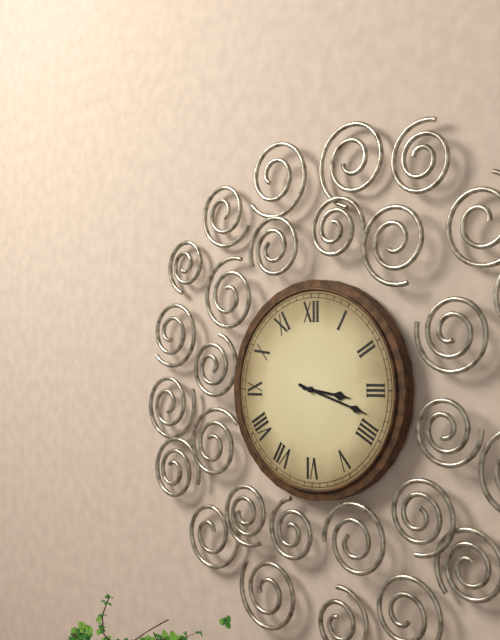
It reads 3:18
